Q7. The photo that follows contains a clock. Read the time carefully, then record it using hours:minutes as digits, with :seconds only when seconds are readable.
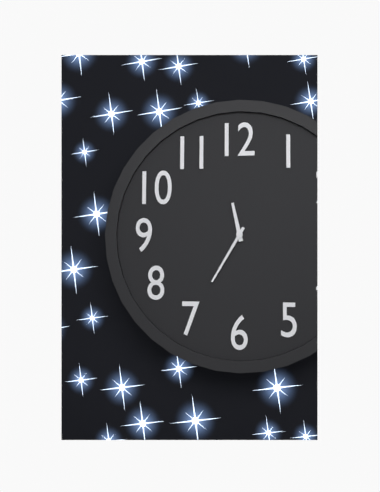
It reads 11:35
